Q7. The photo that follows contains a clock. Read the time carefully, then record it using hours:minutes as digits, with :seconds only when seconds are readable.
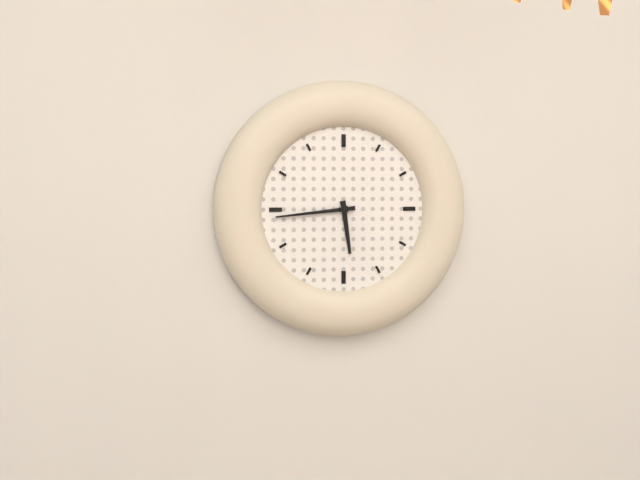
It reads 5:44
